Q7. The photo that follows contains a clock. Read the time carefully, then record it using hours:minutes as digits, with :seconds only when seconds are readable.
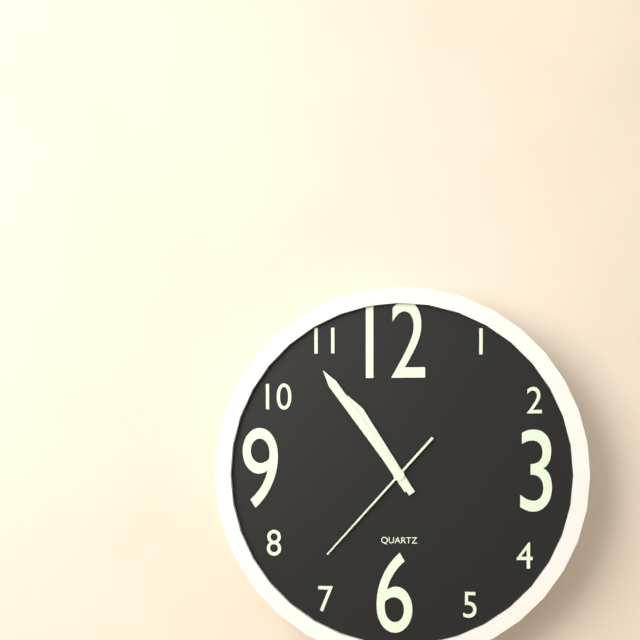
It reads 10:54:37
